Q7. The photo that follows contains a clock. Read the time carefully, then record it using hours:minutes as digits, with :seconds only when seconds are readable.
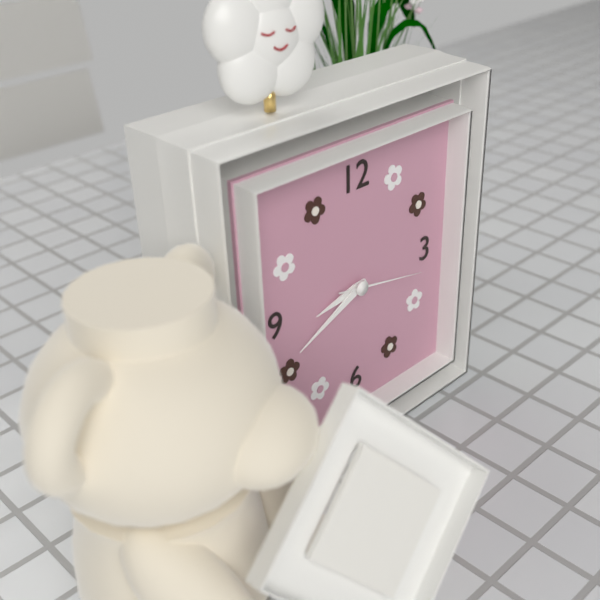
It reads 8:41:17
